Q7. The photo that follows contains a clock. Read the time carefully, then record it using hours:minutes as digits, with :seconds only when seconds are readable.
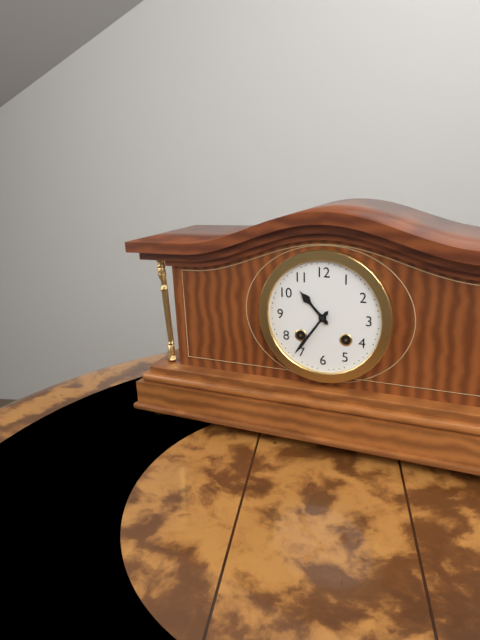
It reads 10:36
